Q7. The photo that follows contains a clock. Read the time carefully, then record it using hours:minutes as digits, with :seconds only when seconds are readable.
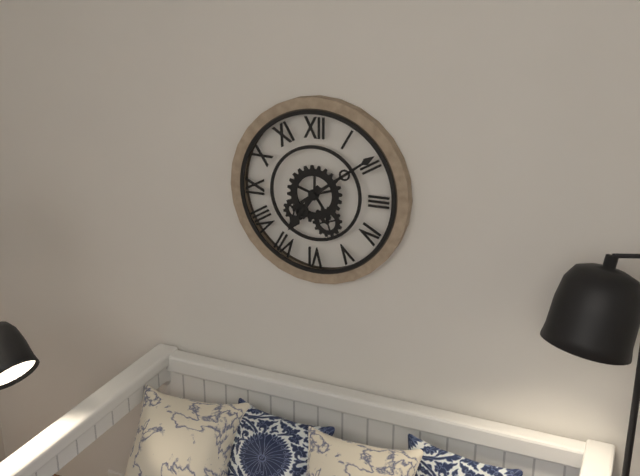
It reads 7:09
